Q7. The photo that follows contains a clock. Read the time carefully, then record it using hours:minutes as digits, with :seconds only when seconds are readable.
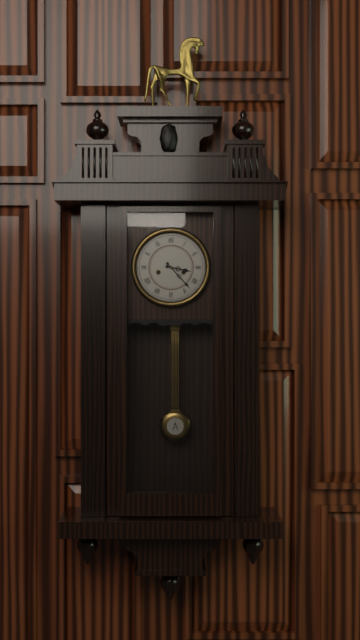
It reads 3:23
